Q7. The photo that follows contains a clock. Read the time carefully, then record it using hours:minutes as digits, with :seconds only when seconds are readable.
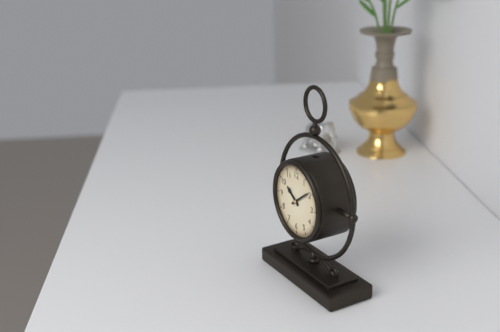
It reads 10:09
